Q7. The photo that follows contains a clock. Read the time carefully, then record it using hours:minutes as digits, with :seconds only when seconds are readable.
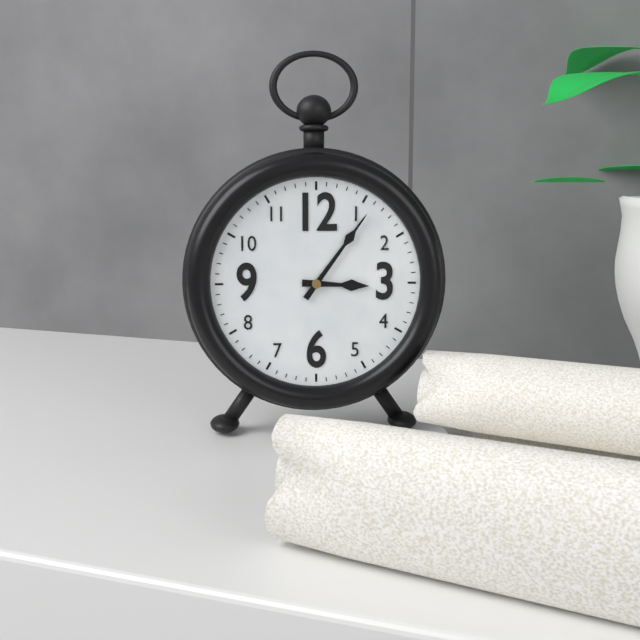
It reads 3:06
